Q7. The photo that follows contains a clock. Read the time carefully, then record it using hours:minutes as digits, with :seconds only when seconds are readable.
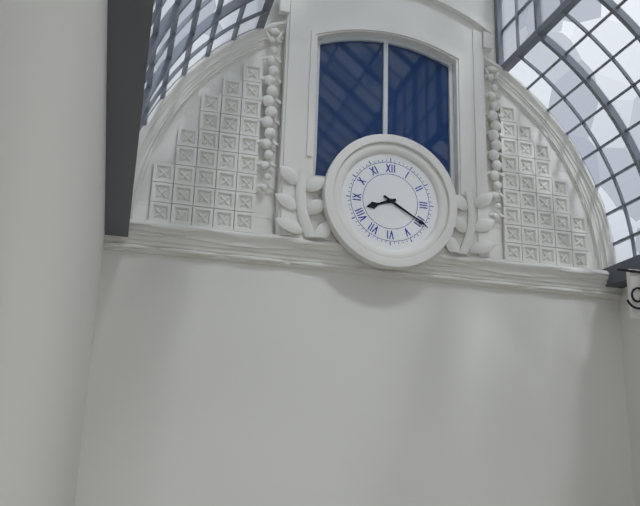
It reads 8:20
